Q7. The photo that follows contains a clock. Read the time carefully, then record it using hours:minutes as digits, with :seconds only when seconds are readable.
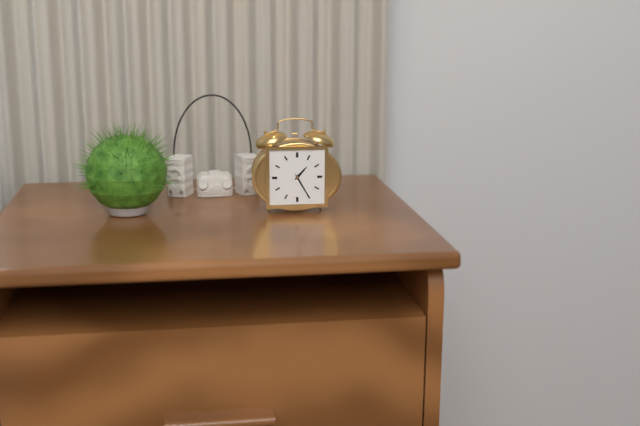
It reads 1:25
